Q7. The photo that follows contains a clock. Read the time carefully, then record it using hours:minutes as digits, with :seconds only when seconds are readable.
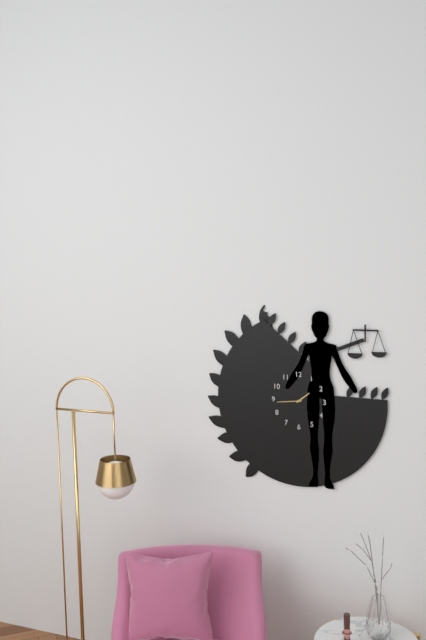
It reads 1:44
